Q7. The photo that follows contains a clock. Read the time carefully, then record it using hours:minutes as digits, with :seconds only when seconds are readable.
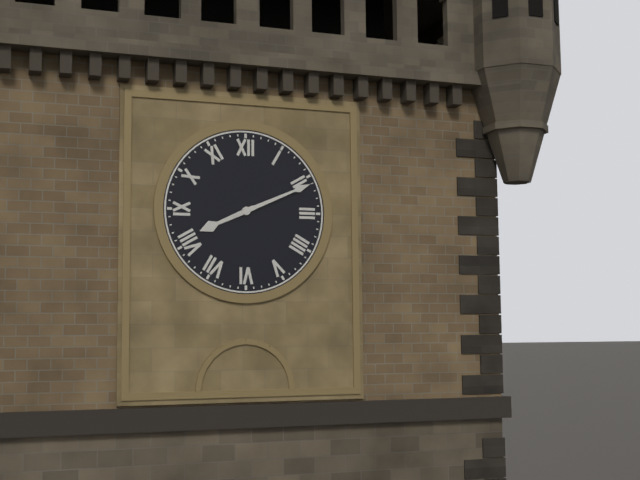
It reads 8:11
